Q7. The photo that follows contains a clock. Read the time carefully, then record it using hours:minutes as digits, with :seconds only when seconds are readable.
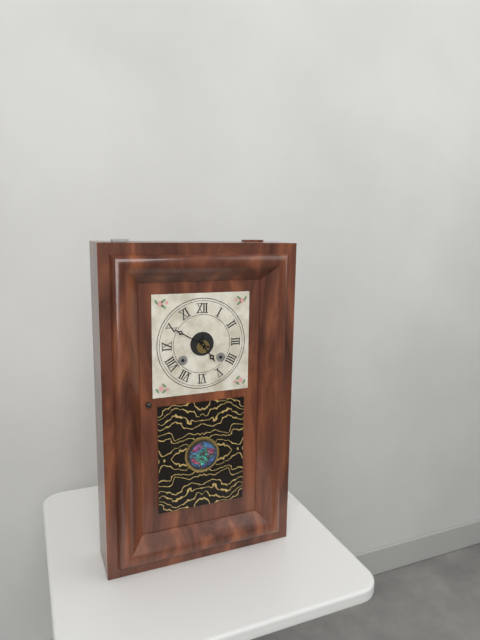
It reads 4:50
